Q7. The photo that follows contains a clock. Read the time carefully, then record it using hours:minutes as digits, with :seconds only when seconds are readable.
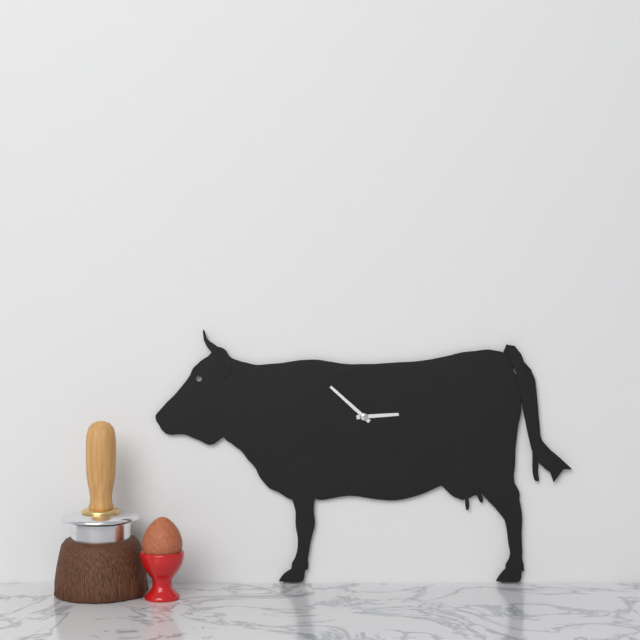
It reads 2:52
